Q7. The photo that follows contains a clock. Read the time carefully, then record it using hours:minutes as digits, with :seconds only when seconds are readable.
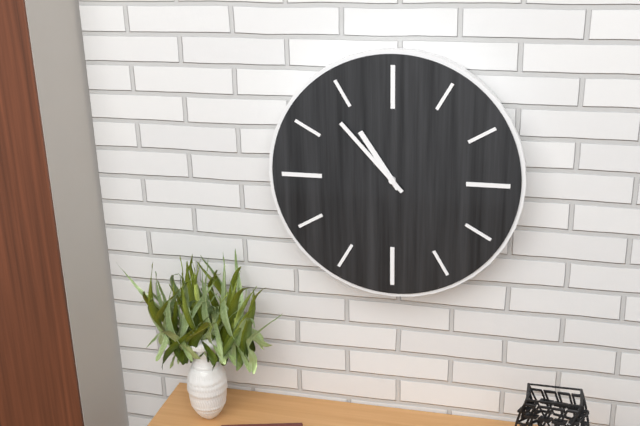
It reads 10:53
